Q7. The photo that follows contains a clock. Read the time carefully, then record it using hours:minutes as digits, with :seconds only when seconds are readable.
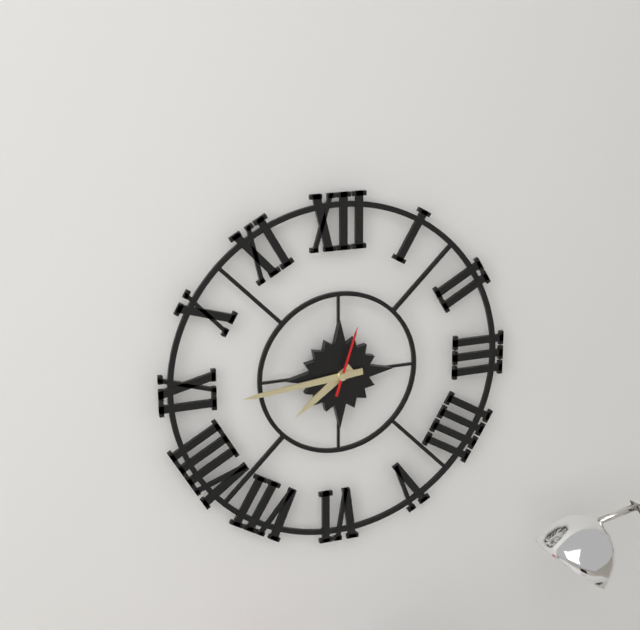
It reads 7:44:03
